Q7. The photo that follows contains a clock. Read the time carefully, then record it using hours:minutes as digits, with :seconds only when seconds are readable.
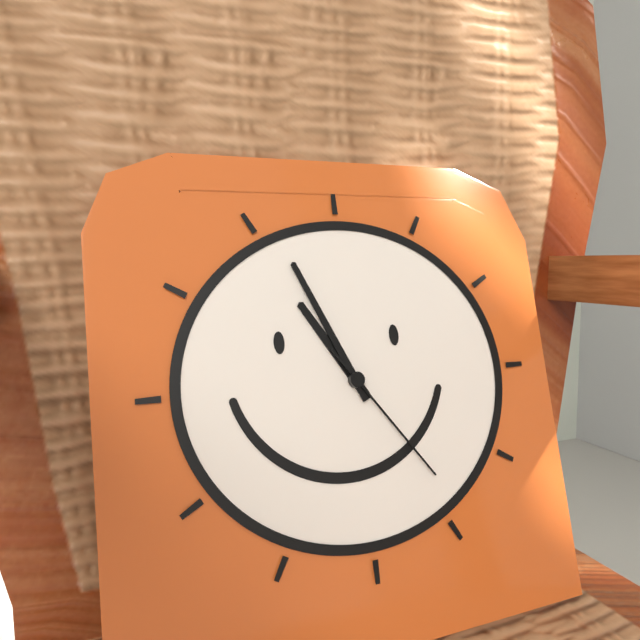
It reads 10:56:24
